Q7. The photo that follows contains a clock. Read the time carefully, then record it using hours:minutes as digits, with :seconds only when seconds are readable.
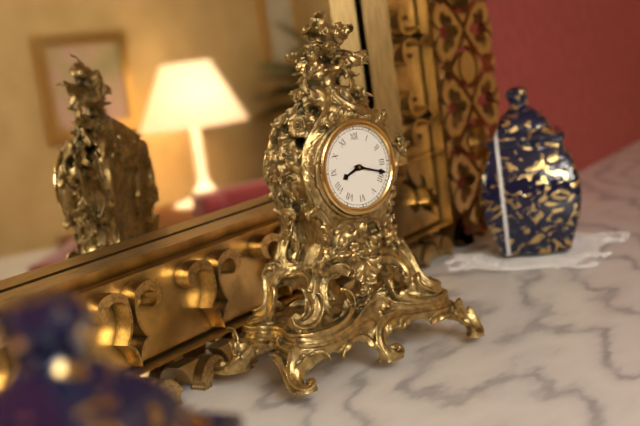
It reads 8:18
